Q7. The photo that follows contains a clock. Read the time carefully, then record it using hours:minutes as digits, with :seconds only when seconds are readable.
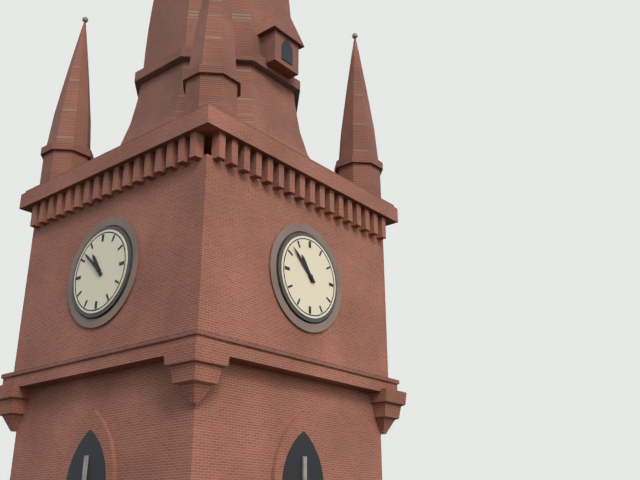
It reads 10:52
